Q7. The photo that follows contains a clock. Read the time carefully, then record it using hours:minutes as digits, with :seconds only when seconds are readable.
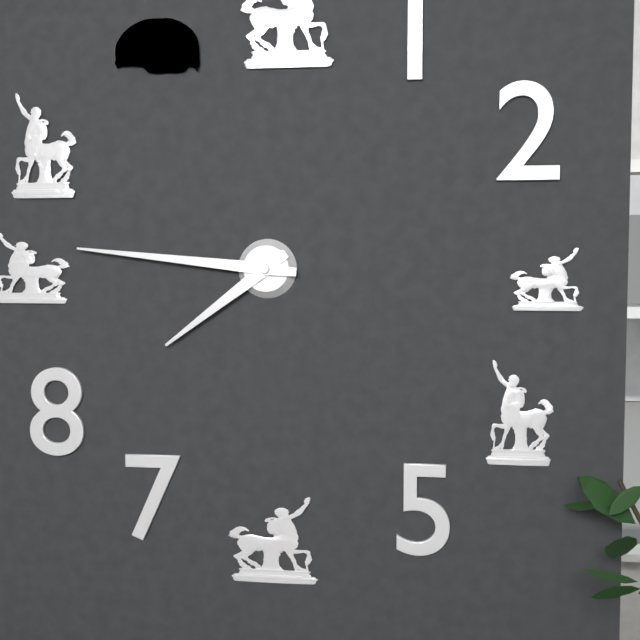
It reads 7:46
